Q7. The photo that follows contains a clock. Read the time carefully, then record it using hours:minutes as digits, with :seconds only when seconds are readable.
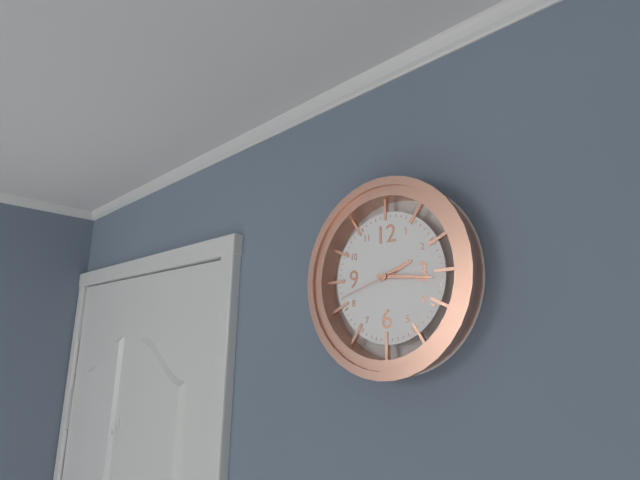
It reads 2:16:42
